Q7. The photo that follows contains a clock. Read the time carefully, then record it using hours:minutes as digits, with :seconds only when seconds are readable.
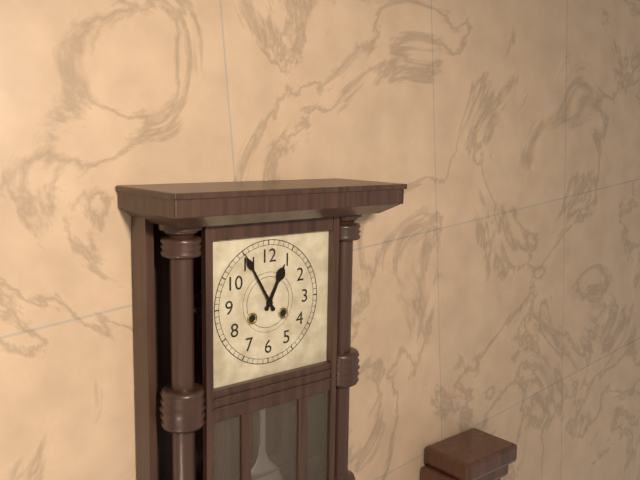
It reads 12:55
